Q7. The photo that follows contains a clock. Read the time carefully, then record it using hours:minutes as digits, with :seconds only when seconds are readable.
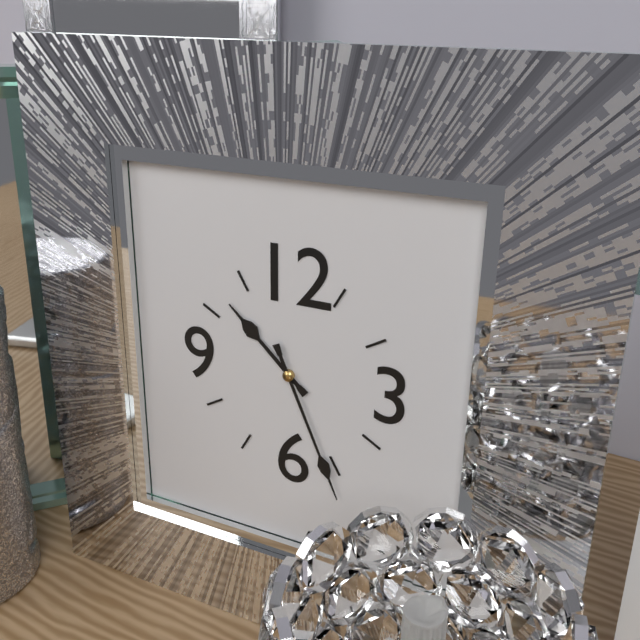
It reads 10:26
